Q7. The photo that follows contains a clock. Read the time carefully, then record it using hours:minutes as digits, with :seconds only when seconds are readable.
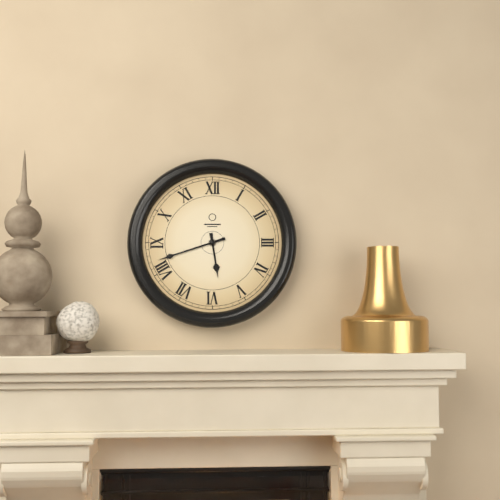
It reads 5:42
